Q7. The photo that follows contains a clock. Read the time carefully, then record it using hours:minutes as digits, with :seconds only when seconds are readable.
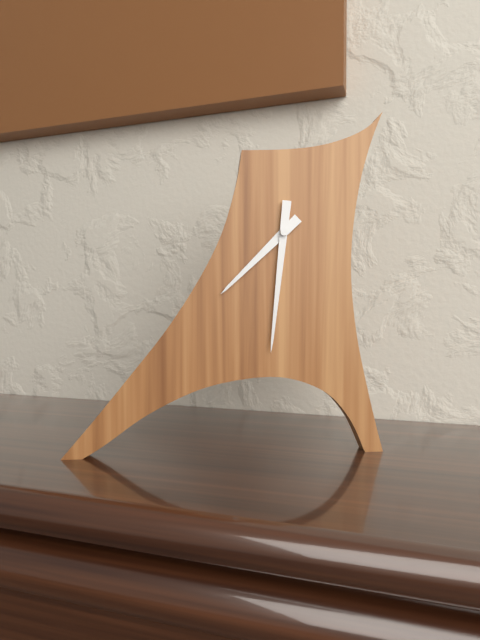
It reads 7:31
